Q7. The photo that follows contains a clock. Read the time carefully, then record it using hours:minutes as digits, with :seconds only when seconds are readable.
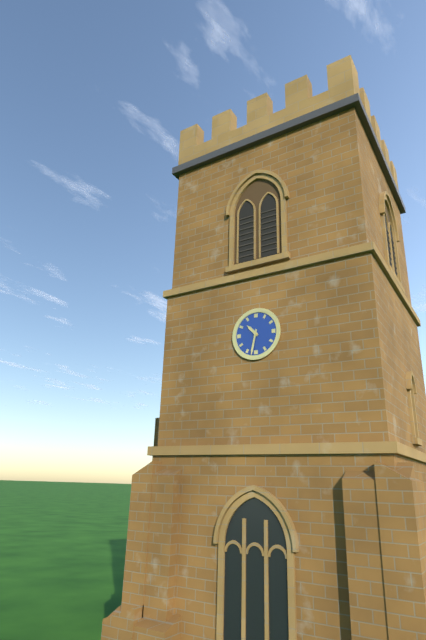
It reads 10:32
